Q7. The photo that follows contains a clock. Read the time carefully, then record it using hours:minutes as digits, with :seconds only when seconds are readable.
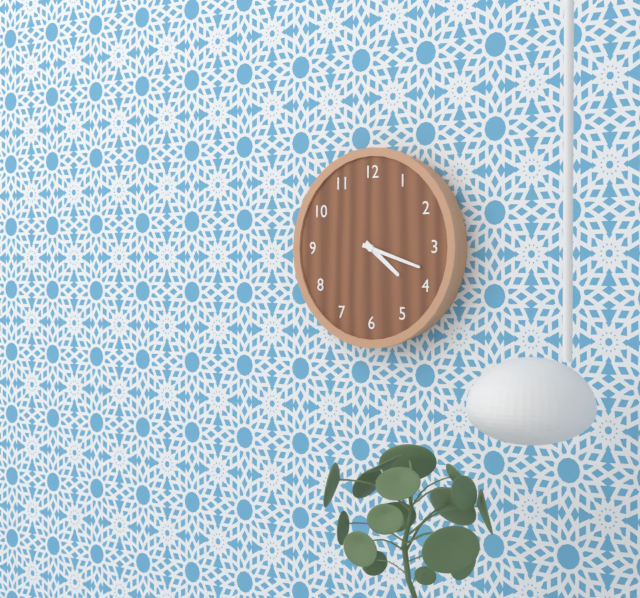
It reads 4:18
